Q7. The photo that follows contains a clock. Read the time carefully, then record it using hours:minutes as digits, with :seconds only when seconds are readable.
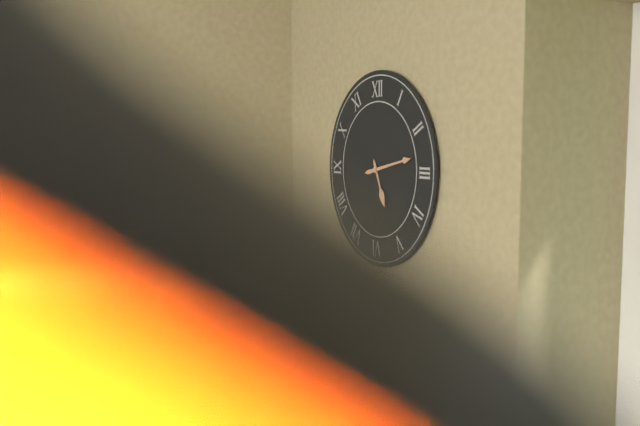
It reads 5:13
